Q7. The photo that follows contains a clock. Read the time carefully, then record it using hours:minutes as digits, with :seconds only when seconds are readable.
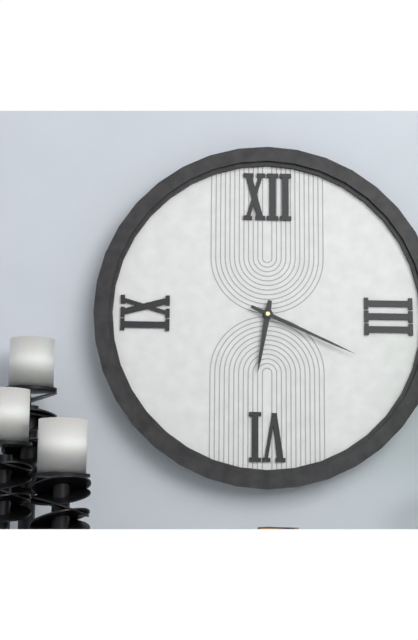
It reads 6:19
